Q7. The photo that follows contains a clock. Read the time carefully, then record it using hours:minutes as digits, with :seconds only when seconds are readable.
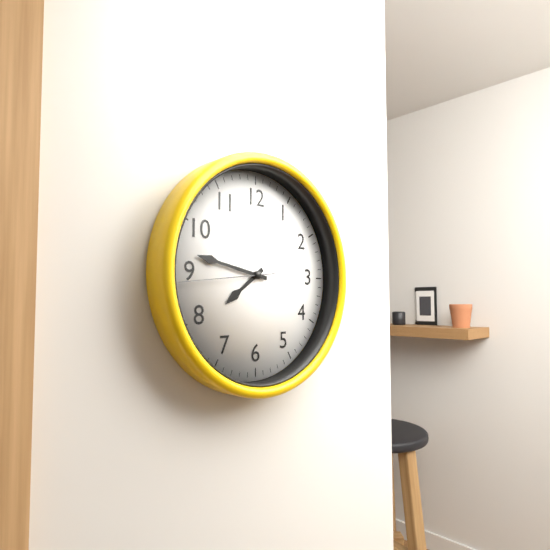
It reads 7:47:44
